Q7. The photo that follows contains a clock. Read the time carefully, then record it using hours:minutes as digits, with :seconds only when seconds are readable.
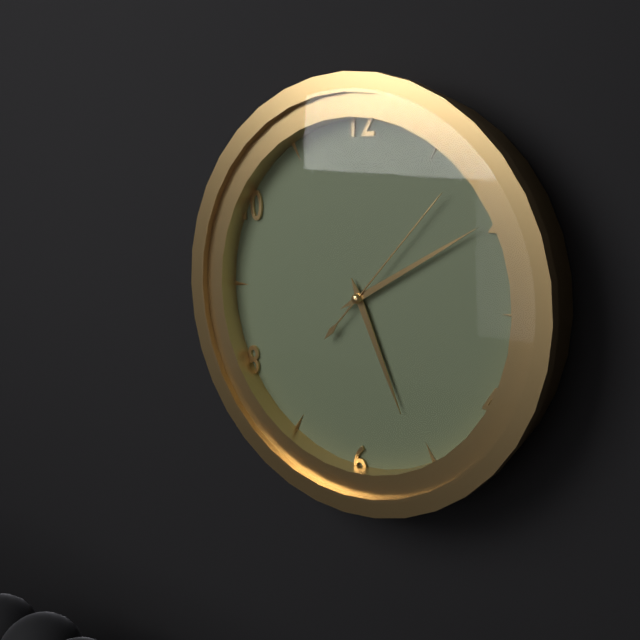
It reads 5:10:07
